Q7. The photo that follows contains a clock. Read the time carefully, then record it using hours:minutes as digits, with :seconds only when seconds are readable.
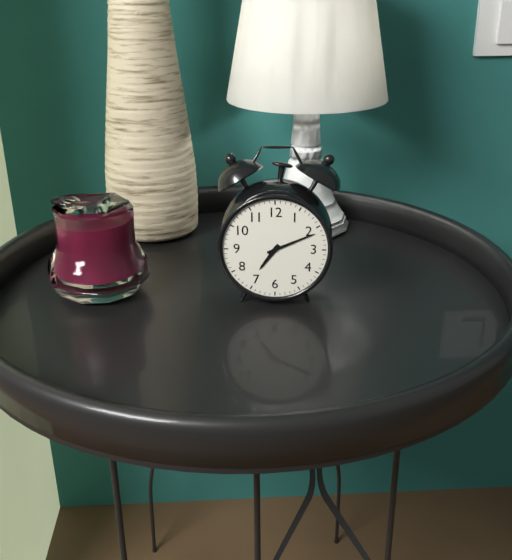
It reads 7:11
